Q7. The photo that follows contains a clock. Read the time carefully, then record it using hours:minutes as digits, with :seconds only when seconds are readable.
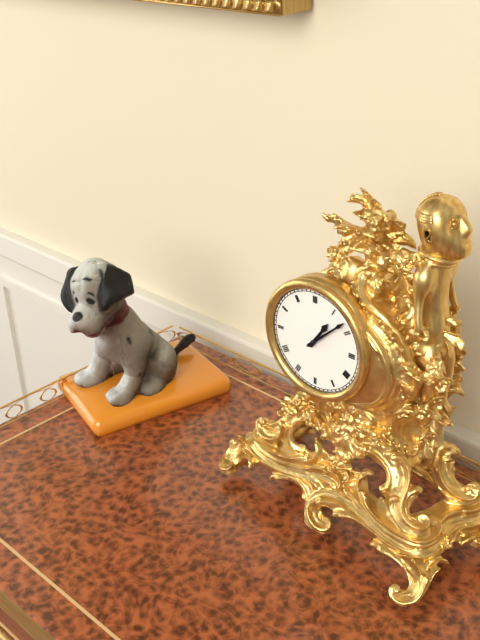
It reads 1:08
